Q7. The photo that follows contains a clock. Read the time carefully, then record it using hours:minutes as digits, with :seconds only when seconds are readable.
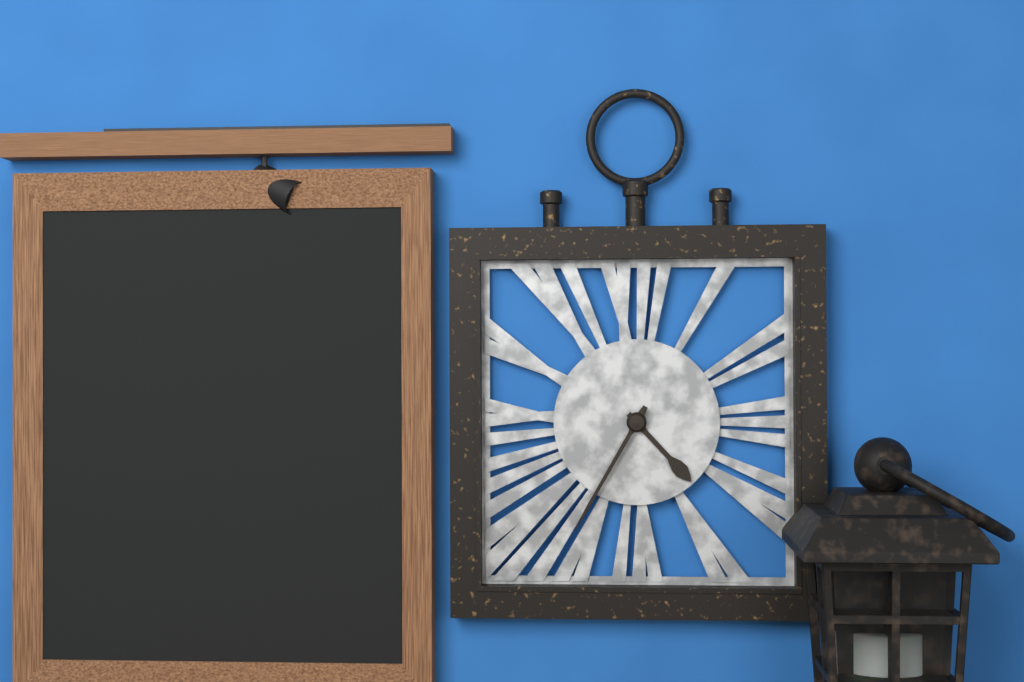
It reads 4:35
